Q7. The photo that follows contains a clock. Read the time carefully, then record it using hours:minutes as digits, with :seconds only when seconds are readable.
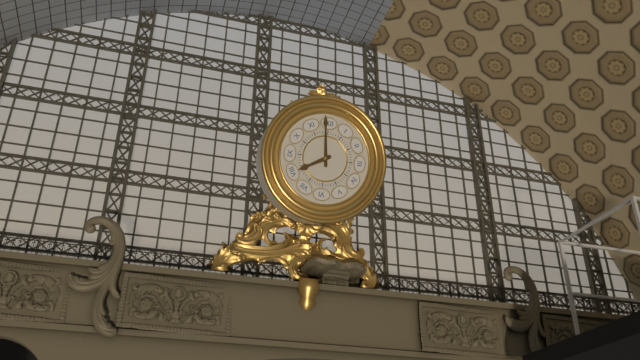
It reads 7:59
